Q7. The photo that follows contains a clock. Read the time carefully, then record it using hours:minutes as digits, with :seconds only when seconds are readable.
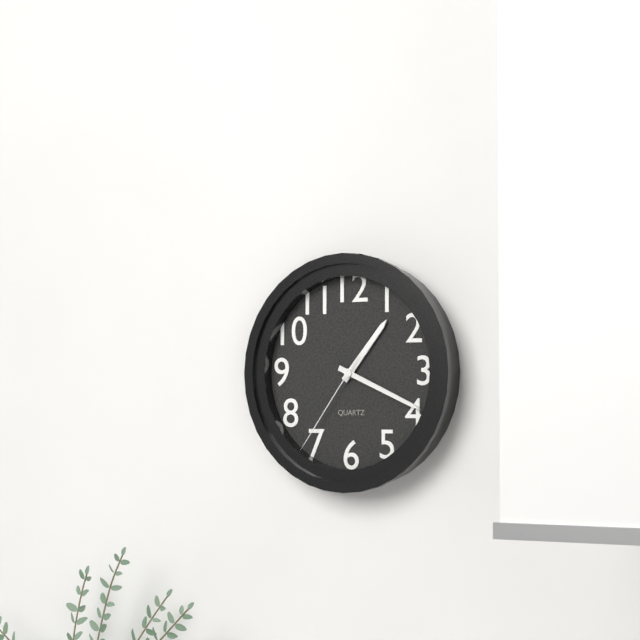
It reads 1:19:36
